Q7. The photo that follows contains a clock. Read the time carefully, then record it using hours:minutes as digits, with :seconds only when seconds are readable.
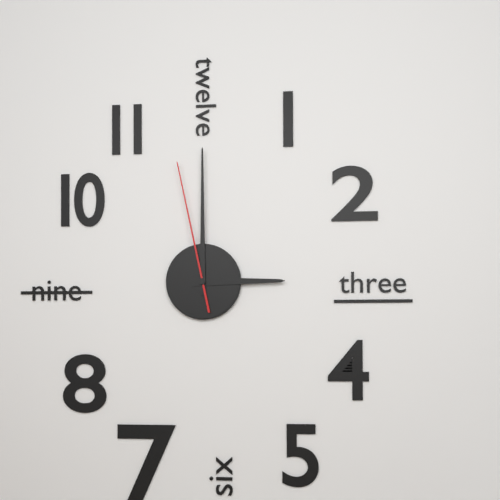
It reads 3:00:58
